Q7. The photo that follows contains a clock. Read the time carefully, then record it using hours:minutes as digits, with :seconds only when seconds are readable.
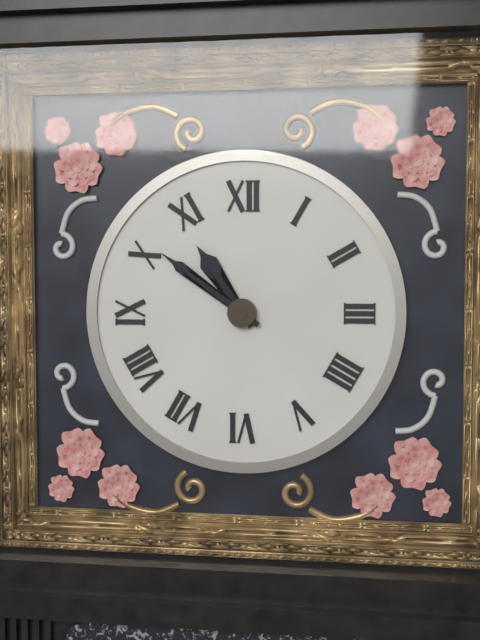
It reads 10:51
